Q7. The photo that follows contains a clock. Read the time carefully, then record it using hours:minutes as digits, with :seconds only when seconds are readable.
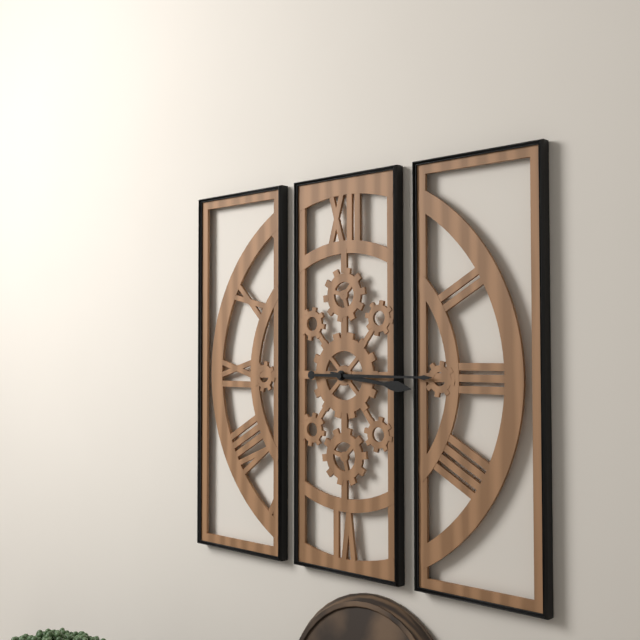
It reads 3:15
